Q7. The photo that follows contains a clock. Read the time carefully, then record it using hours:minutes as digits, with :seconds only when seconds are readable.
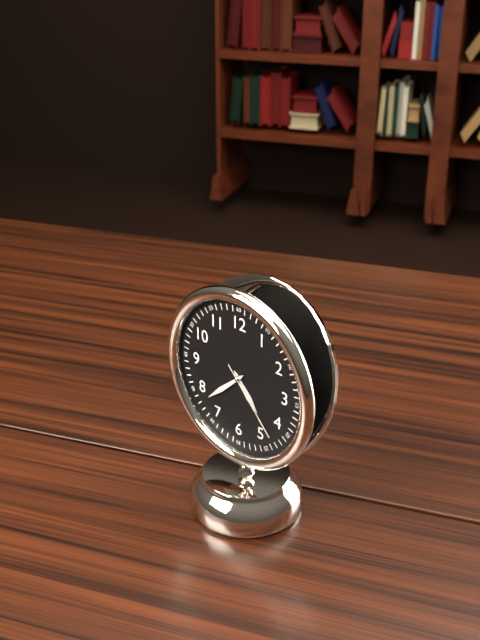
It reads 4:38:23
